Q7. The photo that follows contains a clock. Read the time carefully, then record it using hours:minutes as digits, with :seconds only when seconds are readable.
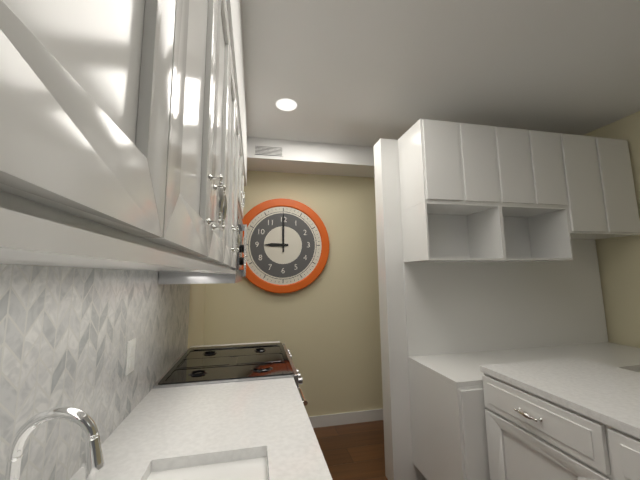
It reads 9:00
